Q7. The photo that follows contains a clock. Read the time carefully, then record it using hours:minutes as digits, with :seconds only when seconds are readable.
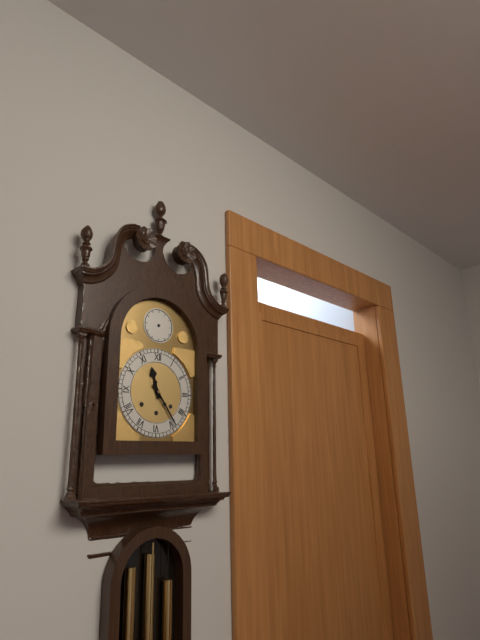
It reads 11:24
